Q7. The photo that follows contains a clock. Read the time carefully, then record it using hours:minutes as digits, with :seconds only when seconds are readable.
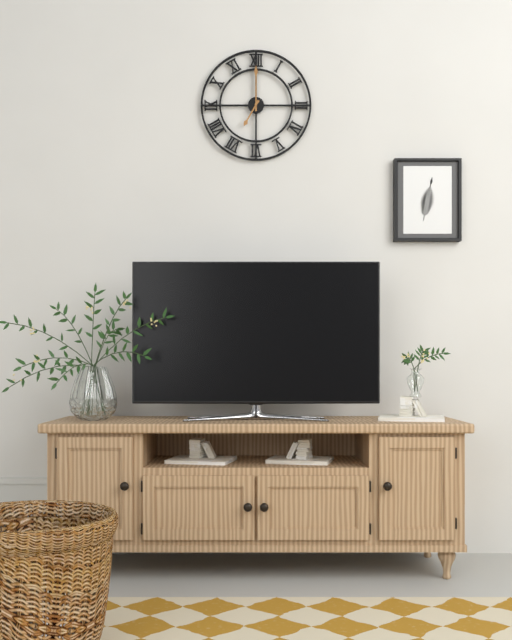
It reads 7:00
